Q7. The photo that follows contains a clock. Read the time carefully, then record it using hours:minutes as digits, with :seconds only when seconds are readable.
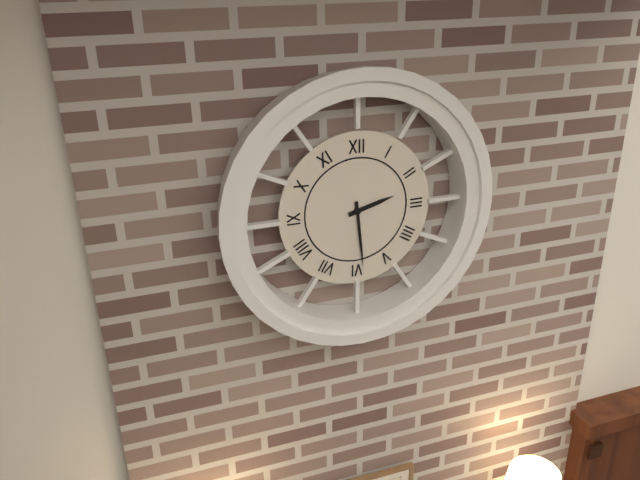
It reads 2:29
